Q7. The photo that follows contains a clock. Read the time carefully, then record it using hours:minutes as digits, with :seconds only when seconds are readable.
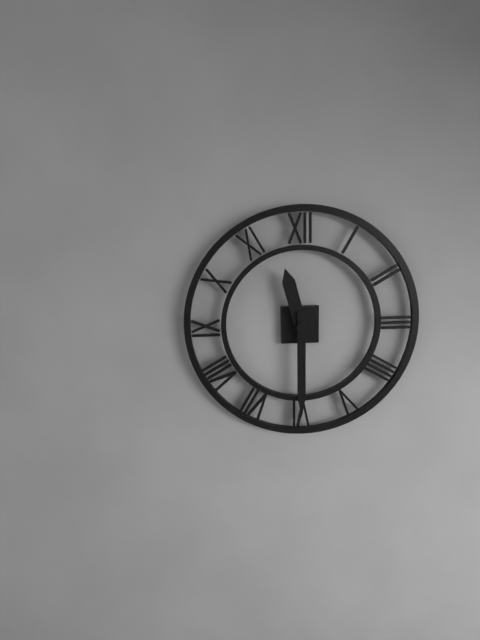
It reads 11:30
